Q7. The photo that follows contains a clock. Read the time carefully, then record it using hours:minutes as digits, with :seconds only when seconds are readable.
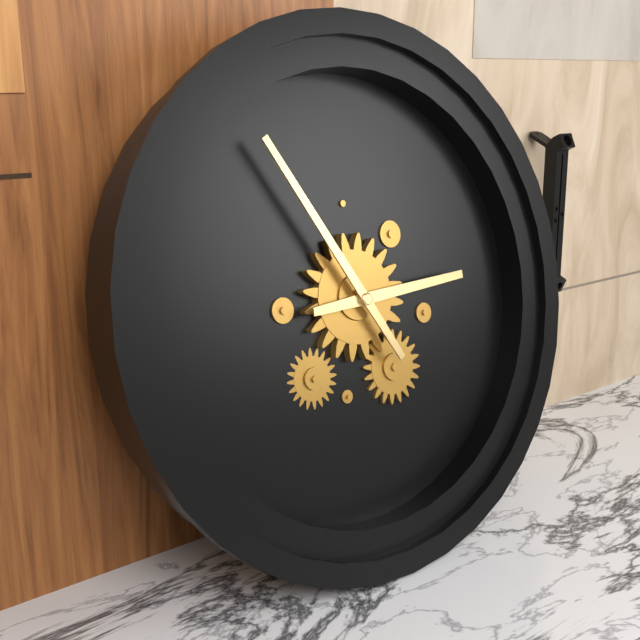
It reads 2:55
